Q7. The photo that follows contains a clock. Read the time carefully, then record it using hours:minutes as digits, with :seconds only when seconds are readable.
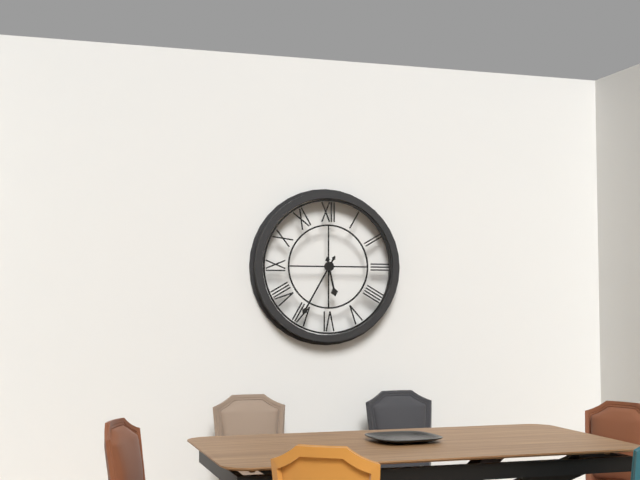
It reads 5:35
